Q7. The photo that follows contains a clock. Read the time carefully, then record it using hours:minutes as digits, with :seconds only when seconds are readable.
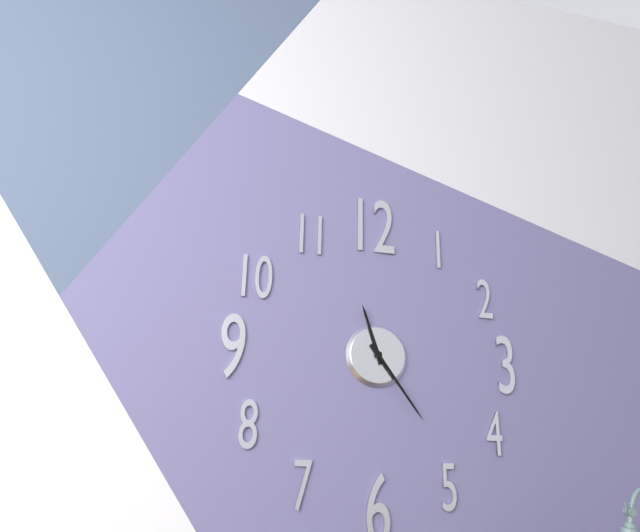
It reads 11:24
